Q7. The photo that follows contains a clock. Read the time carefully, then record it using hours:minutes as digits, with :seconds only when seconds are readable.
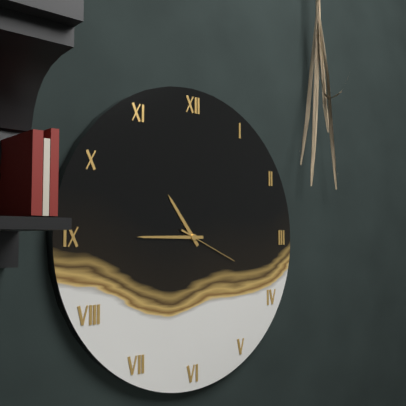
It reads 10:45:19
